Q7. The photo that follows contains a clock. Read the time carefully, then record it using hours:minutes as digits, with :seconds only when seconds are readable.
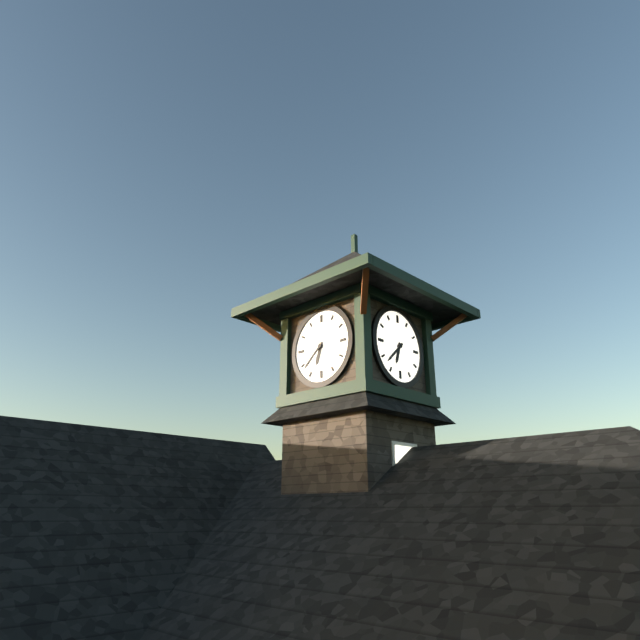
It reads 6:38
